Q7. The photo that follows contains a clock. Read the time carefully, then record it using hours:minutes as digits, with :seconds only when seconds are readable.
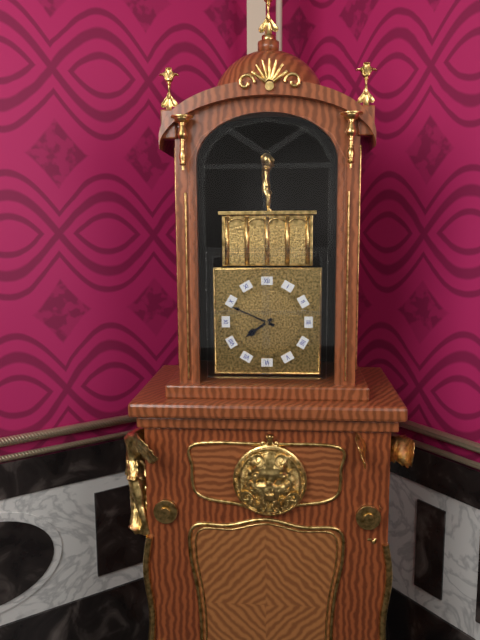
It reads 7:49
